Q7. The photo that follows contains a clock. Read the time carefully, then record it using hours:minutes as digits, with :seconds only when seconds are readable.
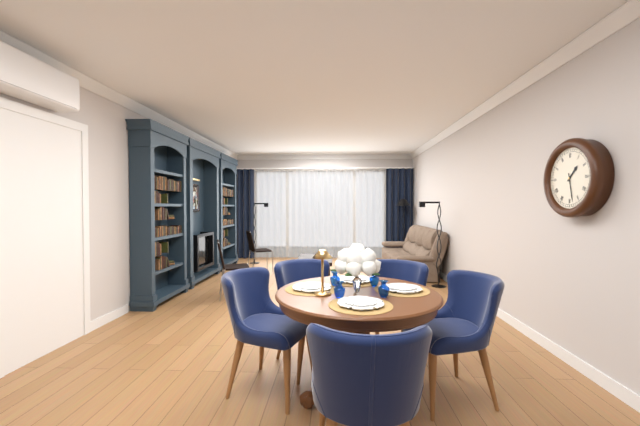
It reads 1:28
